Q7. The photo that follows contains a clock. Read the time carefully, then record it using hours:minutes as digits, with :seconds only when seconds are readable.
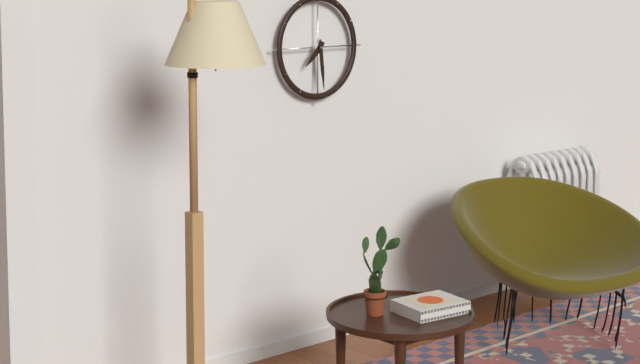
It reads 7:29
